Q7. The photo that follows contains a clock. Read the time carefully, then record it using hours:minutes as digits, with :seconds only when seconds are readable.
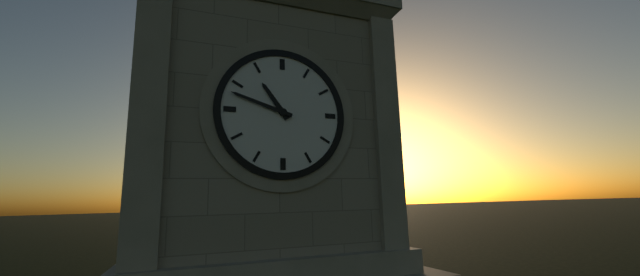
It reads 10:48
